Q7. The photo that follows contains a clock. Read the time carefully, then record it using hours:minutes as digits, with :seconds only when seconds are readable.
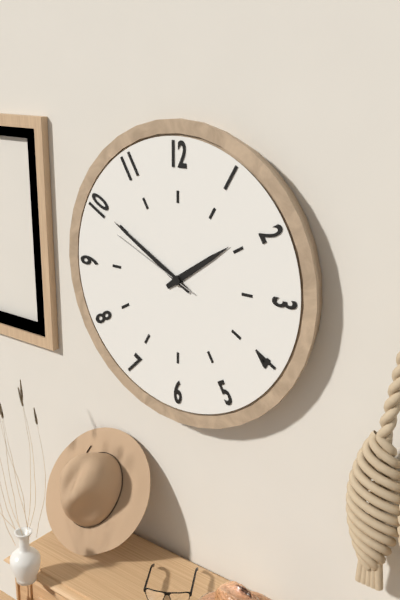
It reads 1:50:49
